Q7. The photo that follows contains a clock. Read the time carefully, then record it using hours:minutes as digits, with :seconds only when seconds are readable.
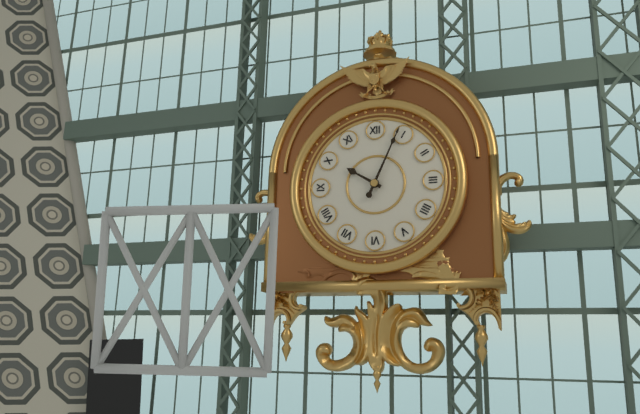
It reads 10:04
